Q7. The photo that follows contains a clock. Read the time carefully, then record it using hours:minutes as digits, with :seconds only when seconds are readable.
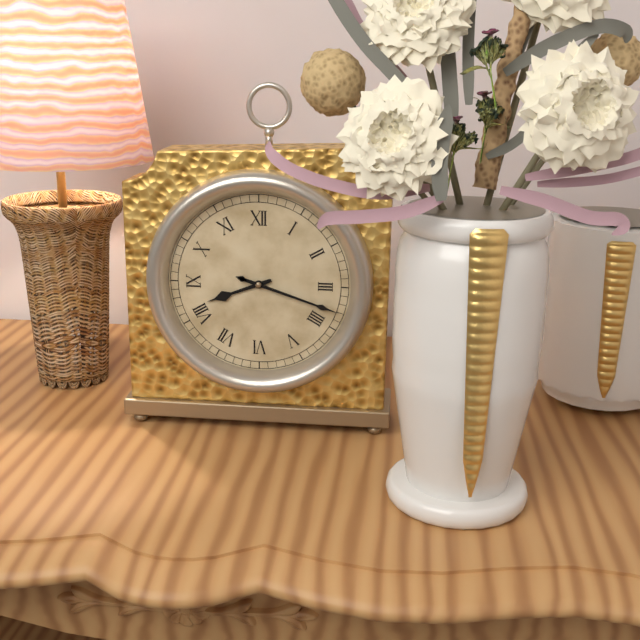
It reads 8:18
